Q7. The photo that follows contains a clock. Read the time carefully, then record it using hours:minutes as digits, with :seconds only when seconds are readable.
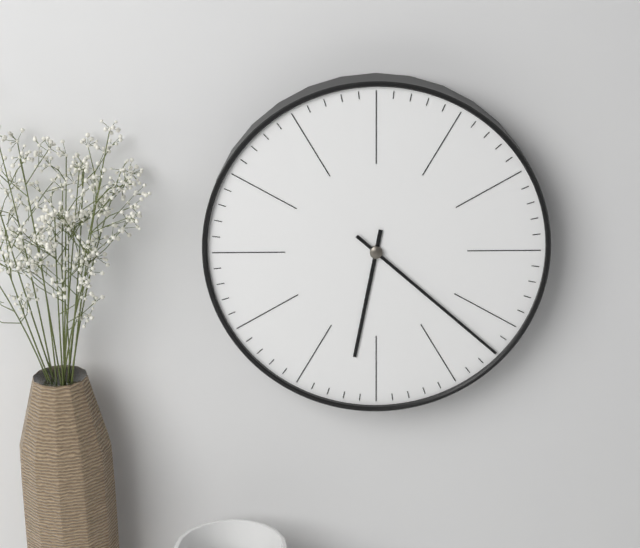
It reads 6:22
